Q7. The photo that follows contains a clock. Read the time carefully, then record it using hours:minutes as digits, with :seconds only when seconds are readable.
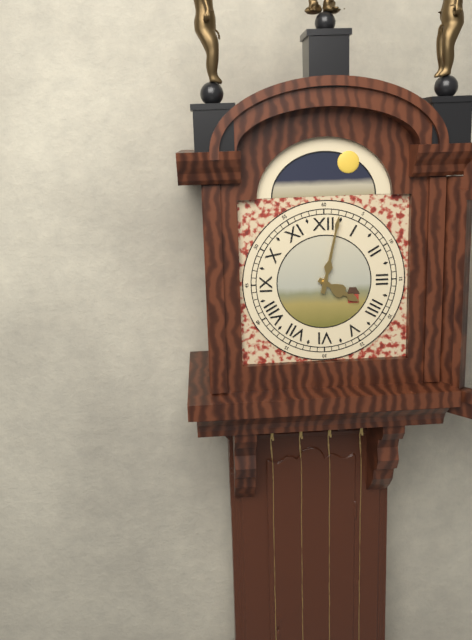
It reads 4:02
